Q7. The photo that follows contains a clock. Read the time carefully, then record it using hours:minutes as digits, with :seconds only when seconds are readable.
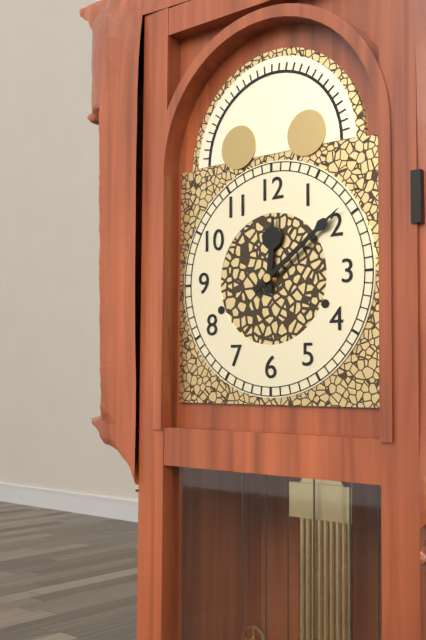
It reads 12:09
